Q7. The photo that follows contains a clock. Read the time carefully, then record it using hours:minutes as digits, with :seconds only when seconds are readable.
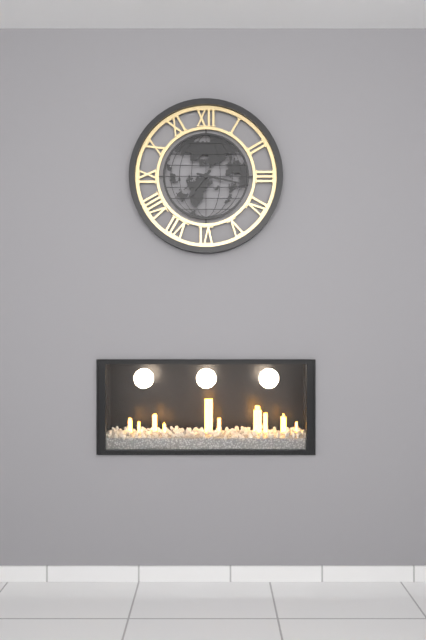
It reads 7:17
